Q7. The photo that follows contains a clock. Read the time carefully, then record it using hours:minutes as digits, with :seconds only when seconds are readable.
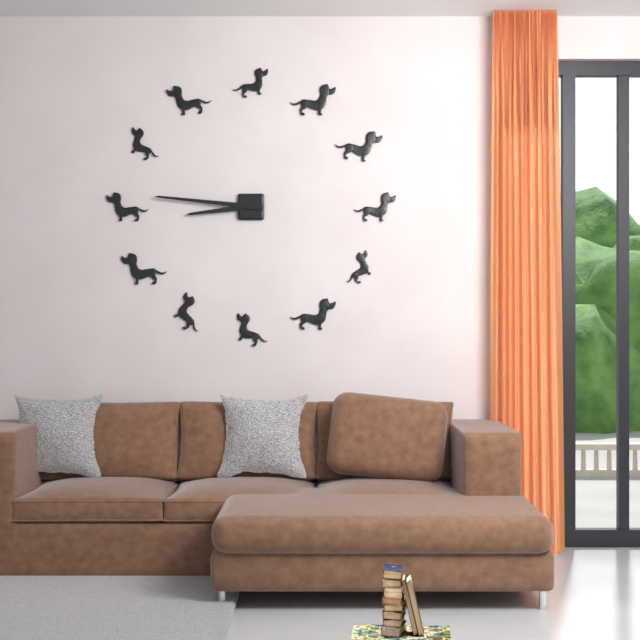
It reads 8:46
